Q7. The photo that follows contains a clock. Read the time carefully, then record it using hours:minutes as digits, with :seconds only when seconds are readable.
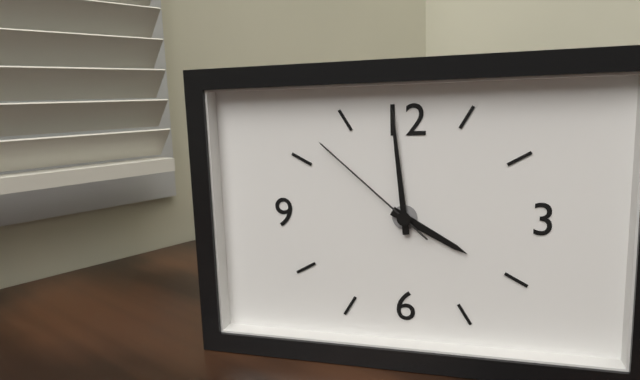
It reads 3:59:52
